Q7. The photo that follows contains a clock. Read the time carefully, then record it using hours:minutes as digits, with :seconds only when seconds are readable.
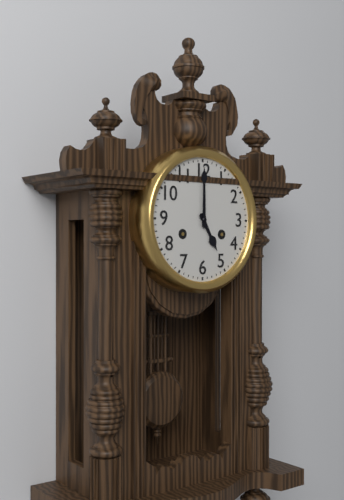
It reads 5:00
